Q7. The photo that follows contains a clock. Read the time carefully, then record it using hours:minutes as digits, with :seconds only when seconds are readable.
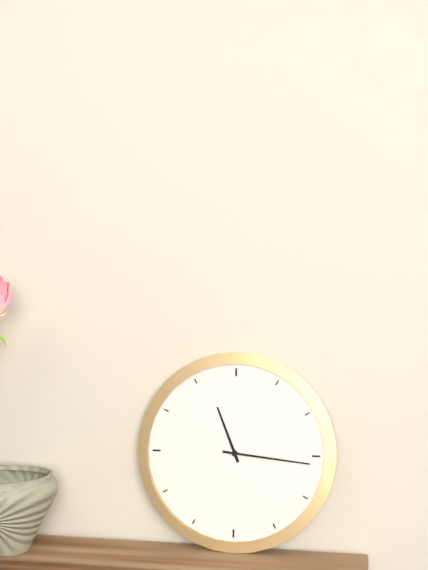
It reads 11:16
